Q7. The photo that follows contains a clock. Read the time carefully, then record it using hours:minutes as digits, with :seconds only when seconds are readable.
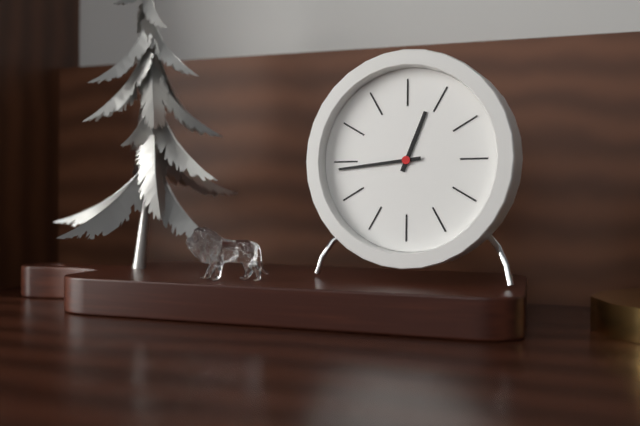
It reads 12:44
